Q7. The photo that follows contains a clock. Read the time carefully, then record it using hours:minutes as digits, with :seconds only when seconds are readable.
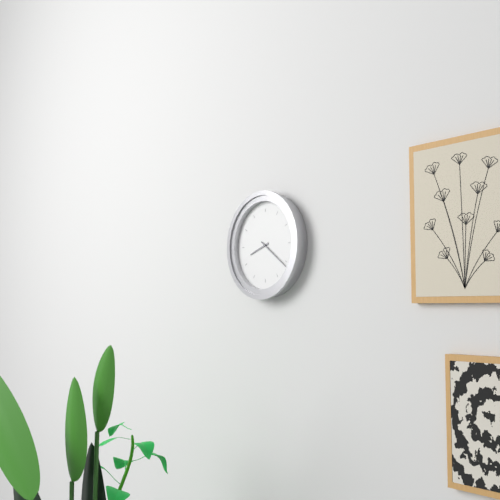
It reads 8:21
